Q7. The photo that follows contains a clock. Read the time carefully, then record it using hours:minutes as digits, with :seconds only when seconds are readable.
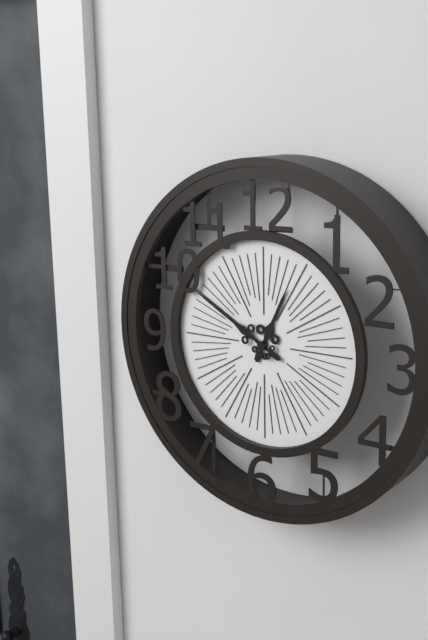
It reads 12:50
